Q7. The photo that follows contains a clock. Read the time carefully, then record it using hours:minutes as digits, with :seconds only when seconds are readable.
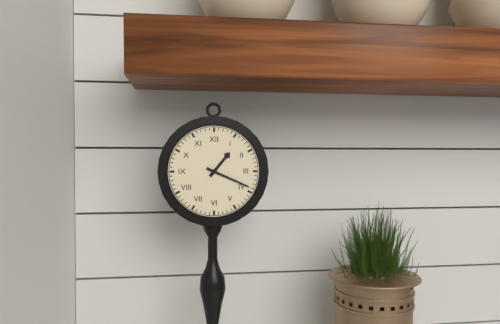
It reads 1:19
